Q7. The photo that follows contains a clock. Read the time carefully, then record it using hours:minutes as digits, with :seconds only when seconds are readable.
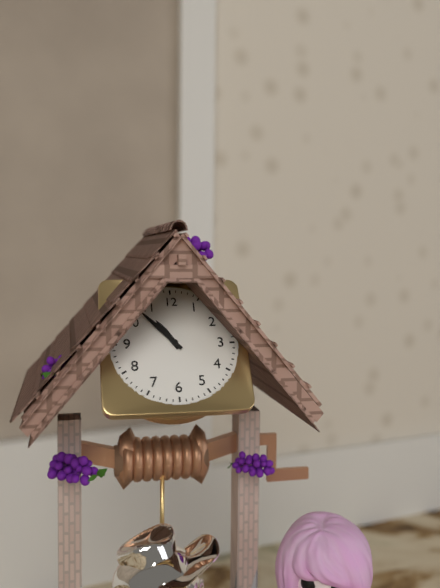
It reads 10:53
